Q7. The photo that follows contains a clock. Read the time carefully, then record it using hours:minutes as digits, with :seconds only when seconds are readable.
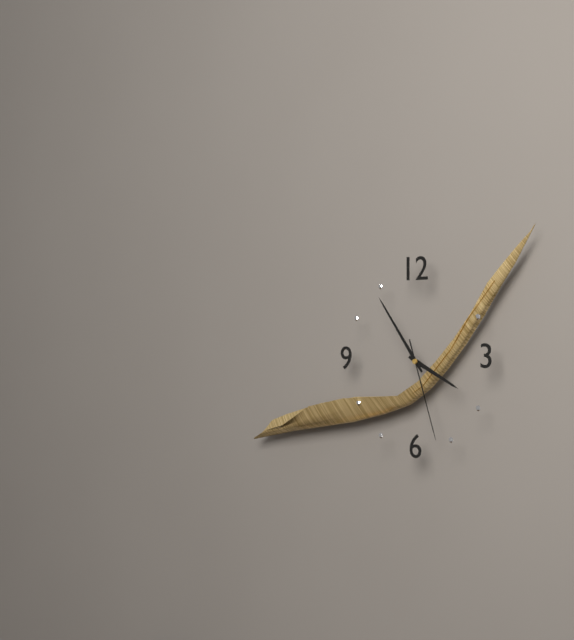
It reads 3:54:27
